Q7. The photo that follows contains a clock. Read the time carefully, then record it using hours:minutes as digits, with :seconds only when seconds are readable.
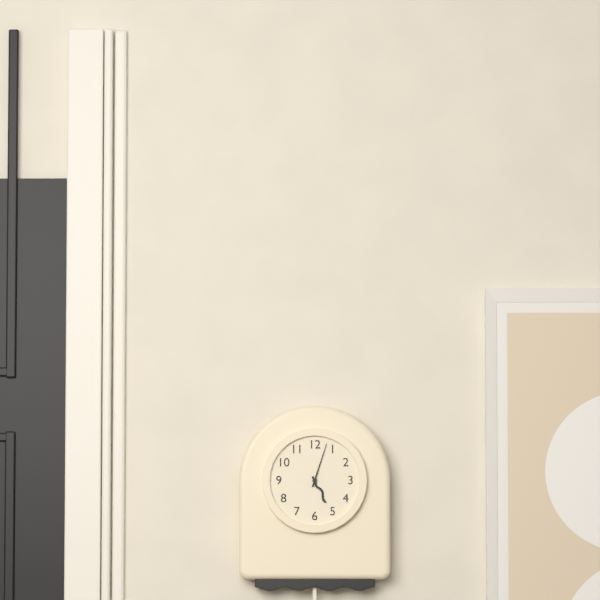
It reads 5:03
